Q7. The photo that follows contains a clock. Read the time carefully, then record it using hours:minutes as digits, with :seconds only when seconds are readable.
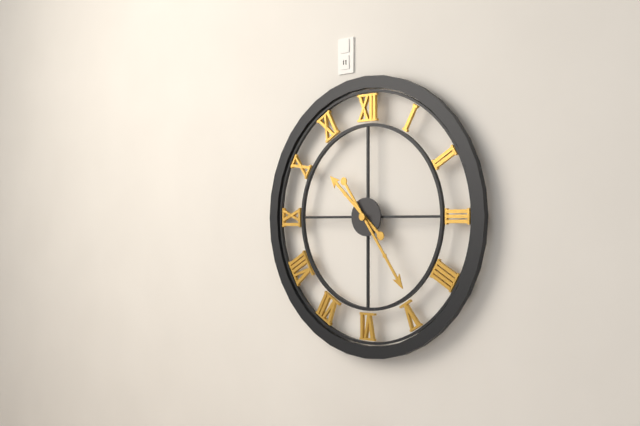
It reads 10:24
